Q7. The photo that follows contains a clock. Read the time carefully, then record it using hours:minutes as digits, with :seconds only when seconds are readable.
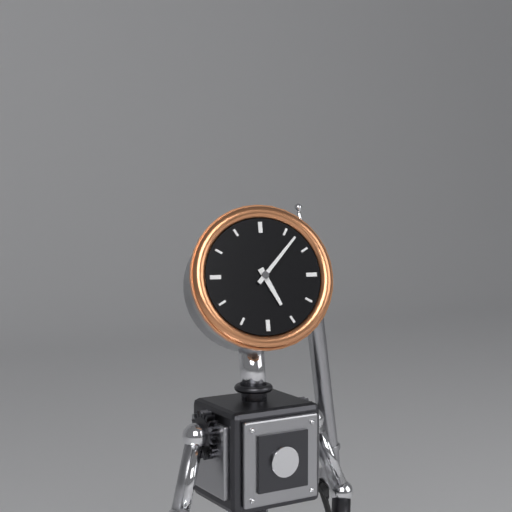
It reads 5:07
